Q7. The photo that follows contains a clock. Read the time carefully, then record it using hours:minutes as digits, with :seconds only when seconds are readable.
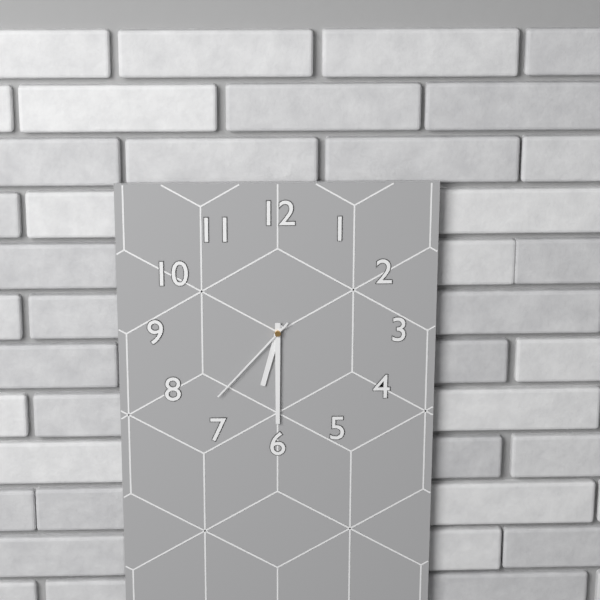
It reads 6:30:37
